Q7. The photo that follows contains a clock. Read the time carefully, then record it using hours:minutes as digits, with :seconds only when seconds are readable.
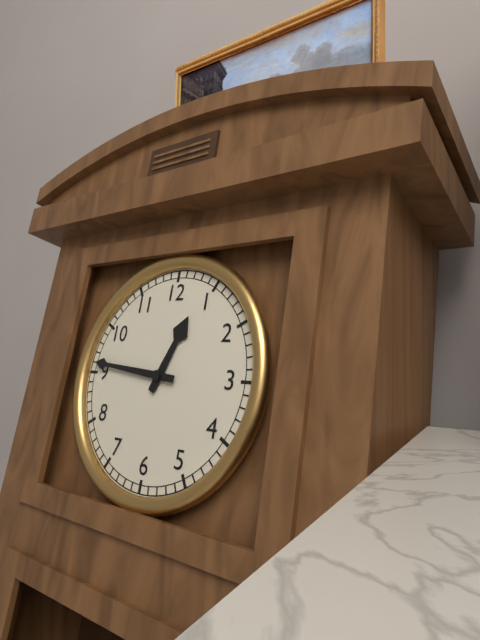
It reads 12:46
